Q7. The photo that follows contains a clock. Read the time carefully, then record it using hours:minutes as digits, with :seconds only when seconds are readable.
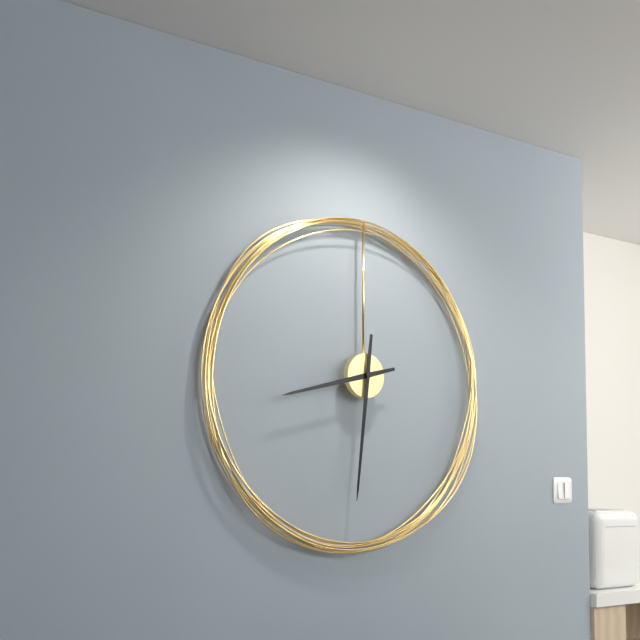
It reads 8:31
